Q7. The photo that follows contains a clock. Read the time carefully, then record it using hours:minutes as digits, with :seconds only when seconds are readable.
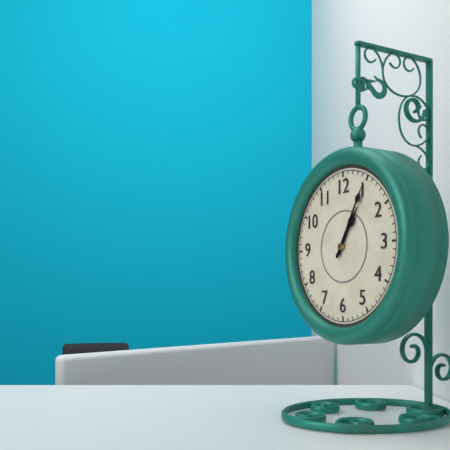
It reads 1:05
